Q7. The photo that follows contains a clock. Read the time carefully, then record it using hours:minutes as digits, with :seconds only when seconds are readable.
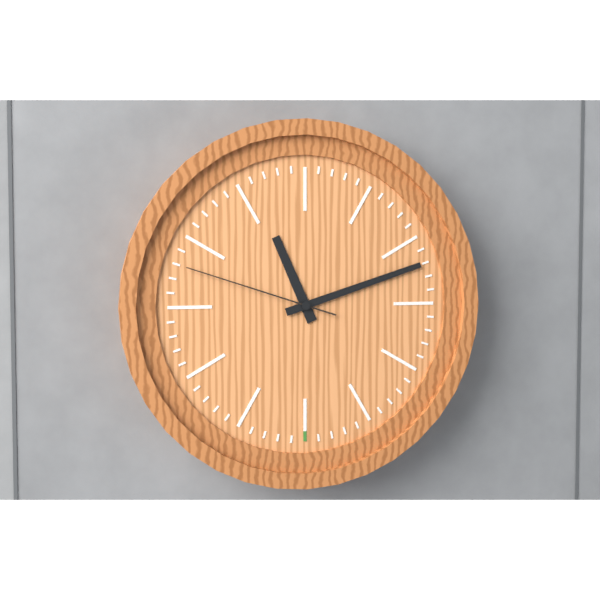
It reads 11:12:48
